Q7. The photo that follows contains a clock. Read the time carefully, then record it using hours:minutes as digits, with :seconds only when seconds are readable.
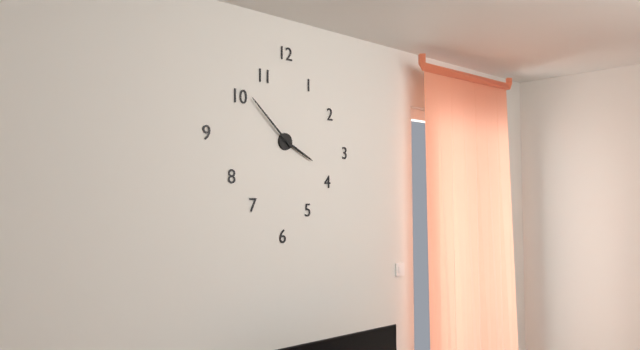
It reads 3:52
